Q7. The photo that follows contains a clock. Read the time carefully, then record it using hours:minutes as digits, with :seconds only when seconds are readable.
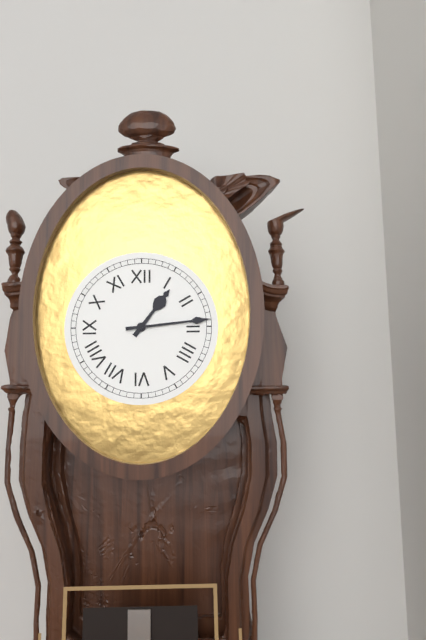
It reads 1:14
